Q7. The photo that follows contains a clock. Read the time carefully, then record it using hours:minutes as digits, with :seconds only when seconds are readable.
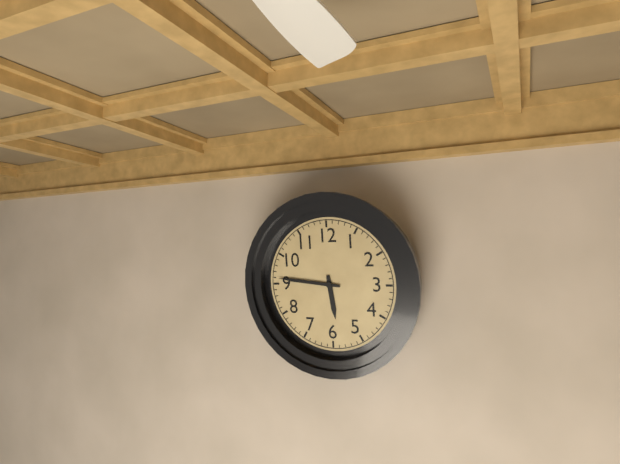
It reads 5:46
